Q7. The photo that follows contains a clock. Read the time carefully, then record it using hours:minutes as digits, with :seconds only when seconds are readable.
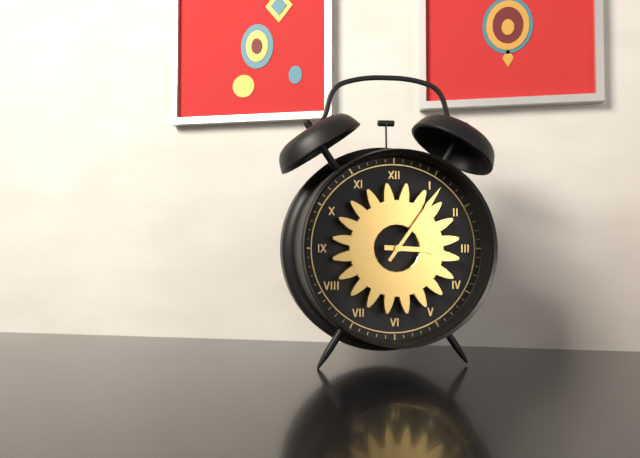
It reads 3:06
